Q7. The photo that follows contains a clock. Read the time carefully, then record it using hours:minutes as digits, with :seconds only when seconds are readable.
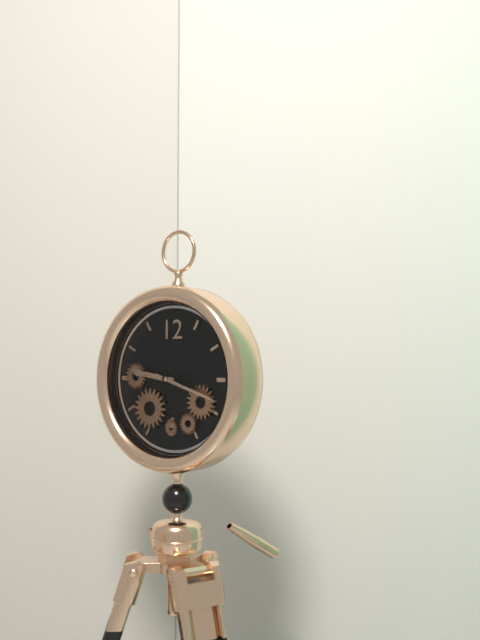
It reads 9:18
